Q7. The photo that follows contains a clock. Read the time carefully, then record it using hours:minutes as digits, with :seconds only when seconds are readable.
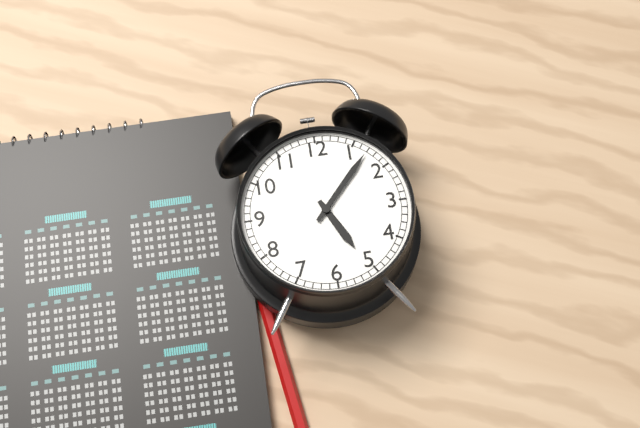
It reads 5:07
